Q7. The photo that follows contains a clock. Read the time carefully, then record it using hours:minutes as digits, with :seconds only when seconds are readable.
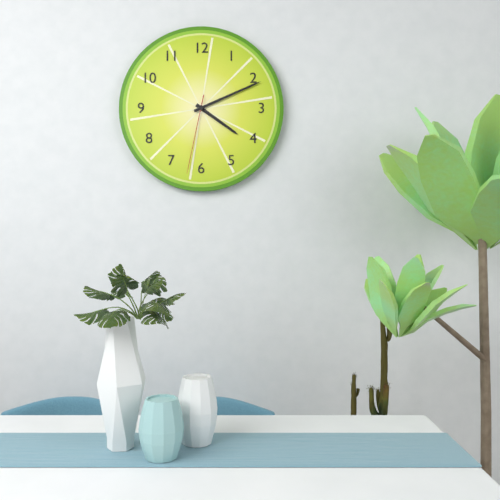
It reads 4:11:32
